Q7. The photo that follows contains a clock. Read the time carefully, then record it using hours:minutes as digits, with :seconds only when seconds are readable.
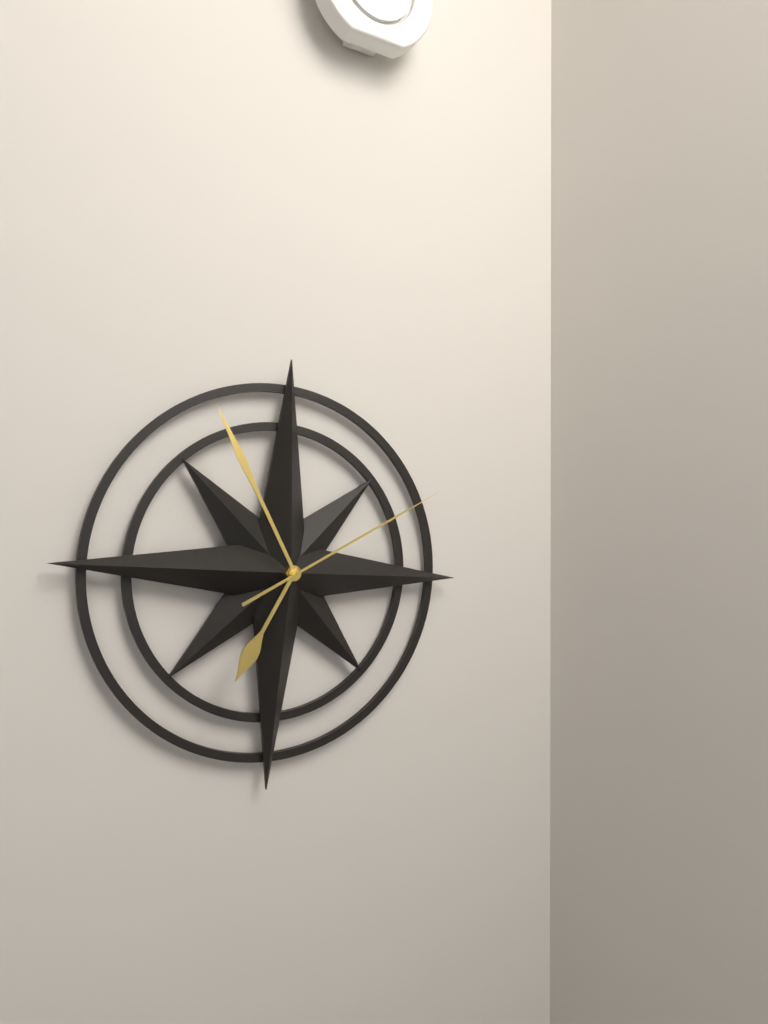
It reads 6:55:10
